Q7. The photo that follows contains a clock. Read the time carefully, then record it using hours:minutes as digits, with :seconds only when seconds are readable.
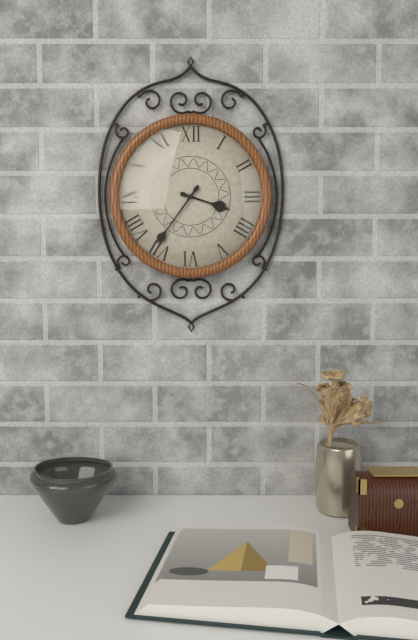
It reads 3:36
